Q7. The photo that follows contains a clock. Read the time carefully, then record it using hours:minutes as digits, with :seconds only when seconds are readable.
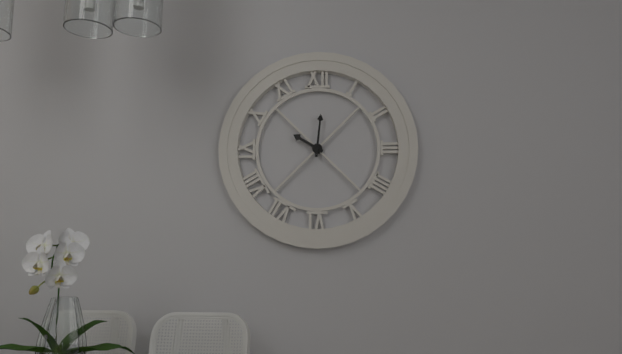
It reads 10:01
